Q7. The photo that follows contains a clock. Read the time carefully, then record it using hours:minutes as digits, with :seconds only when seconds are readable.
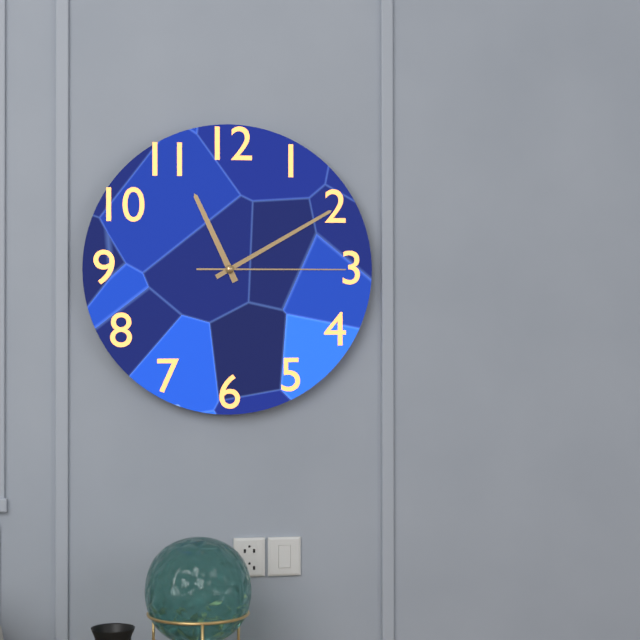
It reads 11:10:15
